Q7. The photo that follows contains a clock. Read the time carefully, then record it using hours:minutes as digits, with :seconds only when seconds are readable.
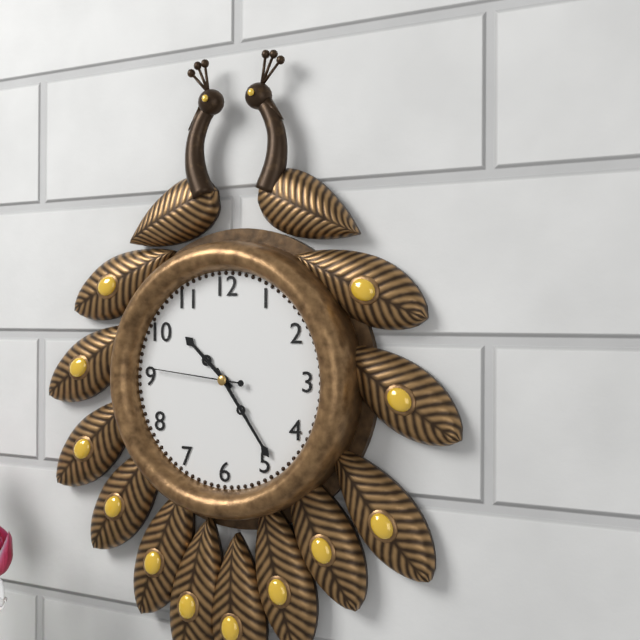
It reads 10:24:46
